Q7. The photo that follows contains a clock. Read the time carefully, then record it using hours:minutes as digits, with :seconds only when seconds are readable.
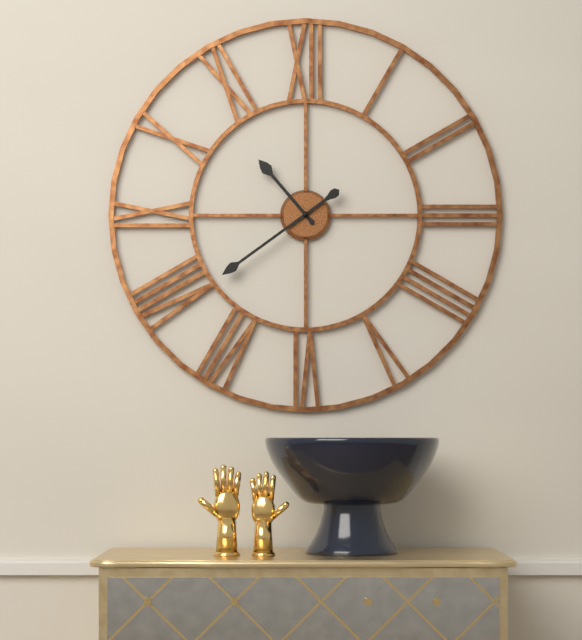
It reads 10:39
